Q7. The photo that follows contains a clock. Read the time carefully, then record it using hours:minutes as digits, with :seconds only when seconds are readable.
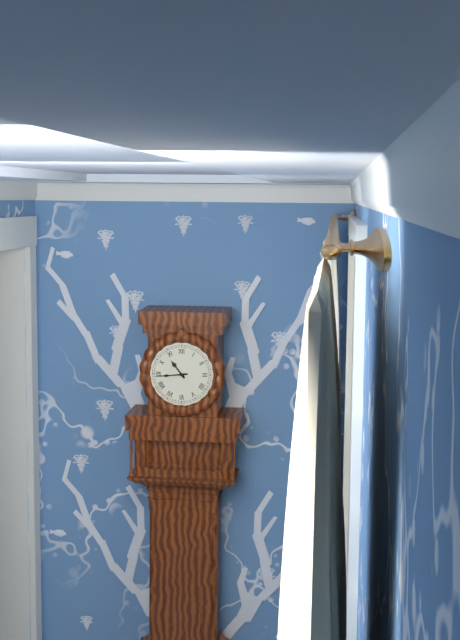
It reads 10:44
